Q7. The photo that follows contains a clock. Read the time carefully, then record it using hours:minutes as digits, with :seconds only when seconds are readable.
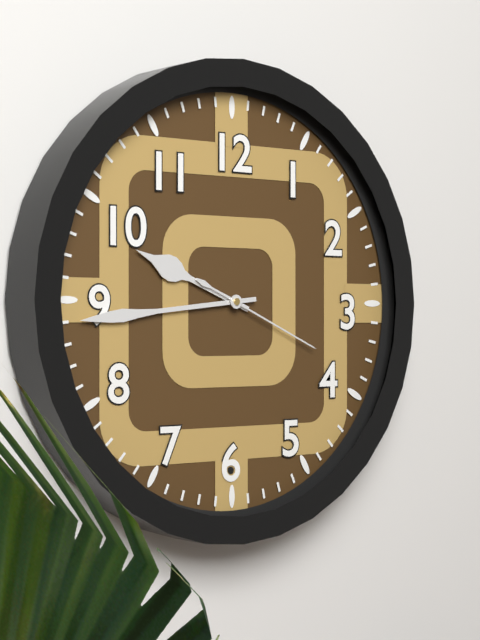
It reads 9:44:19
